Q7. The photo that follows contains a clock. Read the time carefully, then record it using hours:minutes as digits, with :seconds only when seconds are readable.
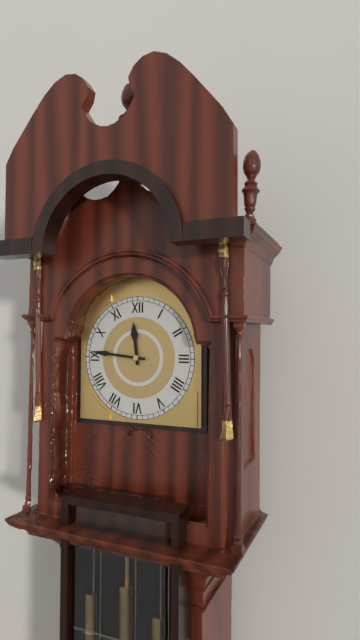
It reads 11:46
